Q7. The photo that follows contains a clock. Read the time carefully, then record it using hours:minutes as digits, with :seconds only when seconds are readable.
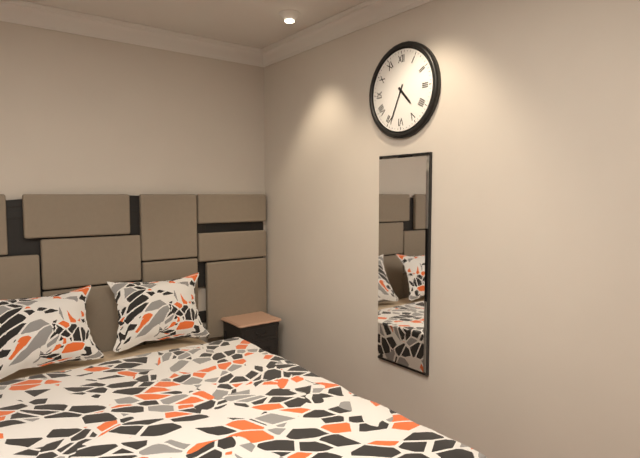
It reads 4:34
